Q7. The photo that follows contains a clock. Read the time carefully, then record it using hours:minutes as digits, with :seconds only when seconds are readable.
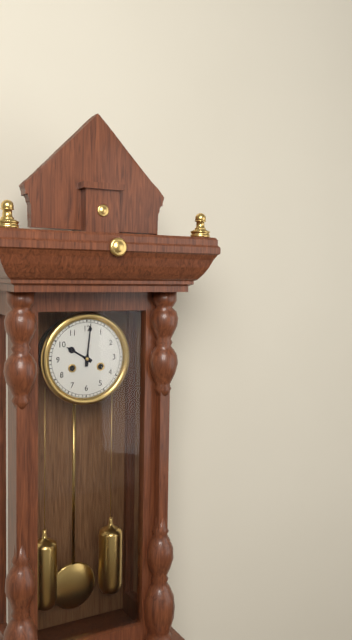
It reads 10:01
